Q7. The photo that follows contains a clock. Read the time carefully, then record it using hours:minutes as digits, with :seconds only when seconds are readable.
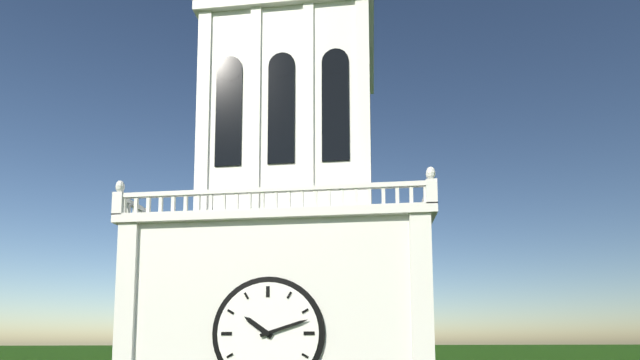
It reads 10:12
